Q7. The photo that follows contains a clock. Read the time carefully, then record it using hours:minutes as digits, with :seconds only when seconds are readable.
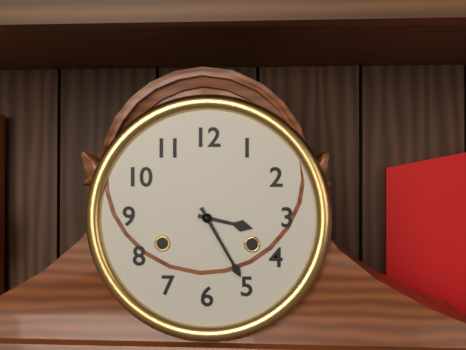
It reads 3:25
